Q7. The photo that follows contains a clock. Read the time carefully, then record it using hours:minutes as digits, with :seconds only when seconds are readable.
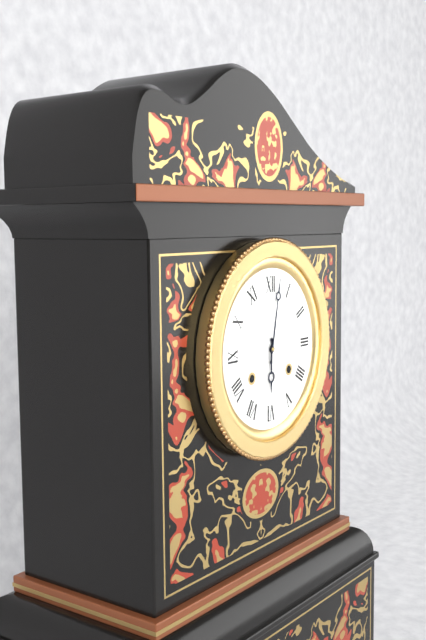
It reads 6:02
